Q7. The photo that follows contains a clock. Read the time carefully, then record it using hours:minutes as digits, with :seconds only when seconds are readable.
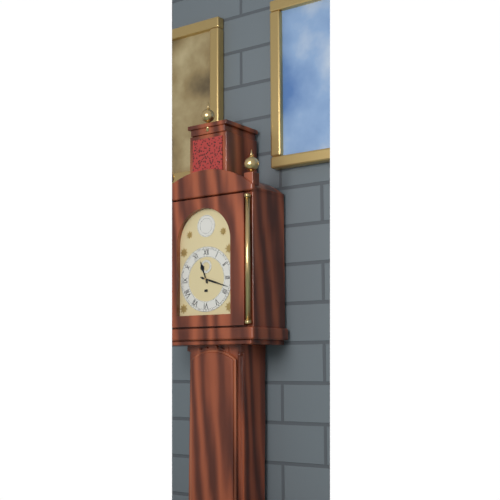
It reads 11:18
